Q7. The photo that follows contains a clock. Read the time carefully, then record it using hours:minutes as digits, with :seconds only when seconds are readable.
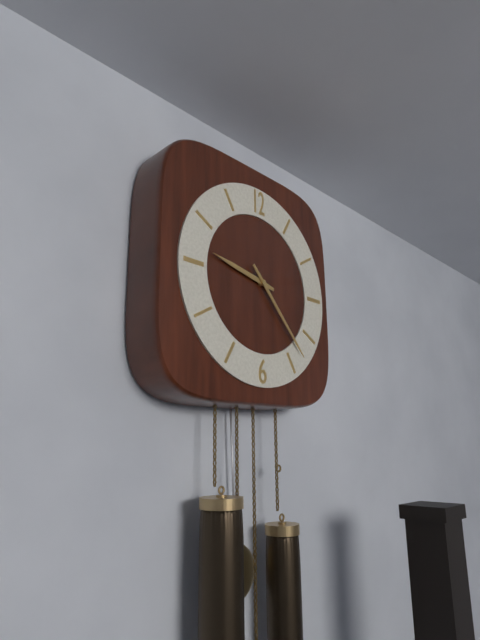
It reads 9:23
